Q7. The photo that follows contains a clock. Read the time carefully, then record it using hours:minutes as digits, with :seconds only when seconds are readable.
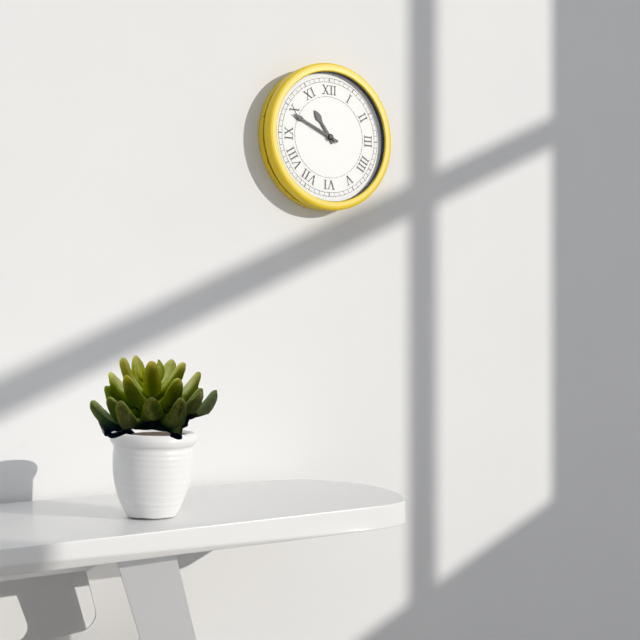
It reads 10:49
